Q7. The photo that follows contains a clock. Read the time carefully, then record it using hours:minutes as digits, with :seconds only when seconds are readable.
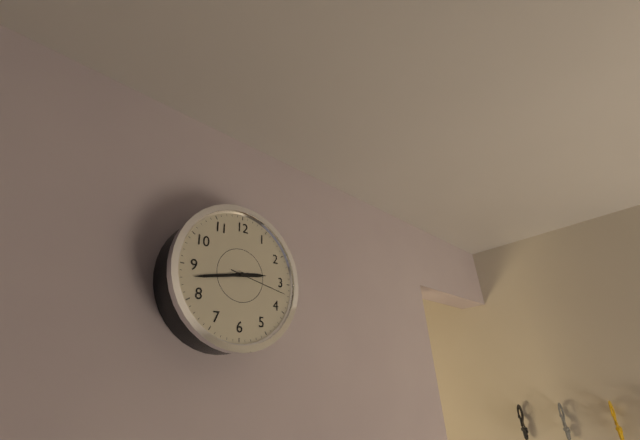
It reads 2:43:17
